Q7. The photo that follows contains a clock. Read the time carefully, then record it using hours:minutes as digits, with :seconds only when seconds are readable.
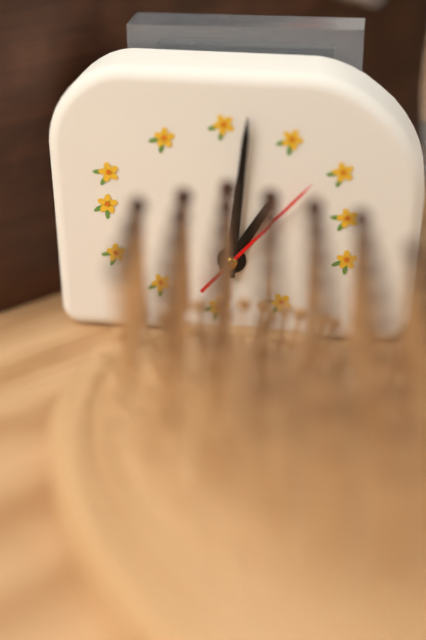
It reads 1:01:07
